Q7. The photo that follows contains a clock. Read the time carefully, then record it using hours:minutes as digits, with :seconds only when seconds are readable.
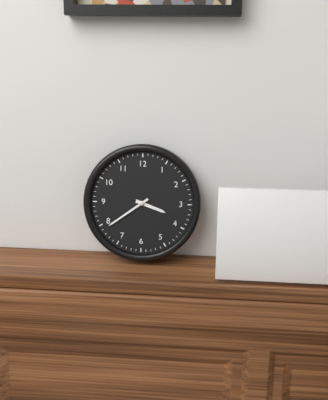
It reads 3:39
